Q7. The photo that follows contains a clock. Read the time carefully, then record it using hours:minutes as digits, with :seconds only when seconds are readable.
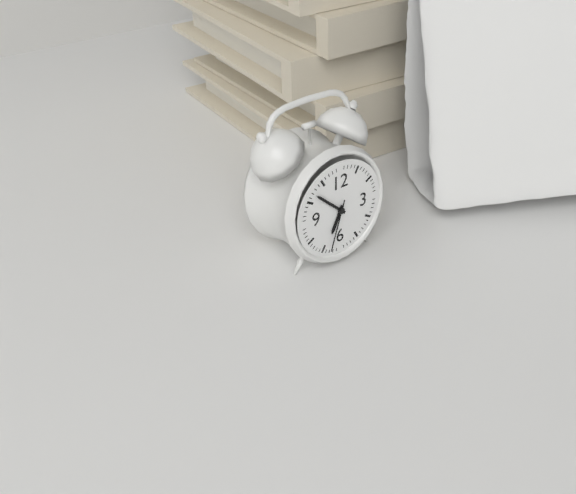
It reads 6:52:33
